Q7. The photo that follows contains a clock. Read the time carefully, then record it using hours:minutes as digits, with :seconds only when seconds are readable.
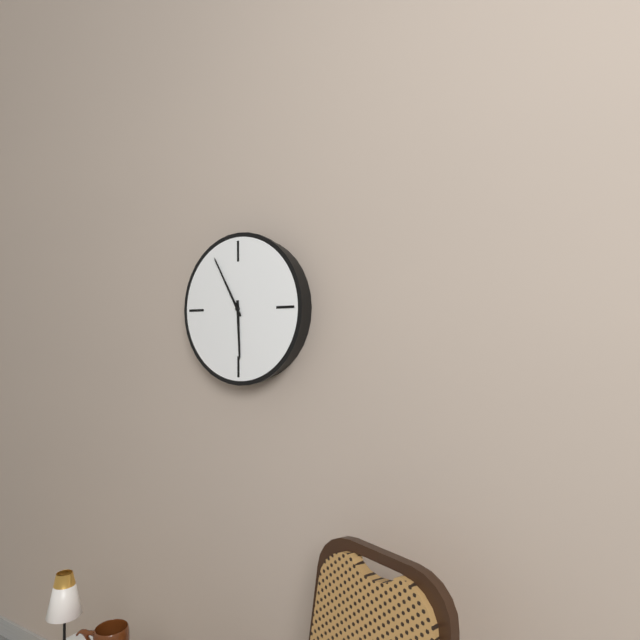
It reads 5:55
